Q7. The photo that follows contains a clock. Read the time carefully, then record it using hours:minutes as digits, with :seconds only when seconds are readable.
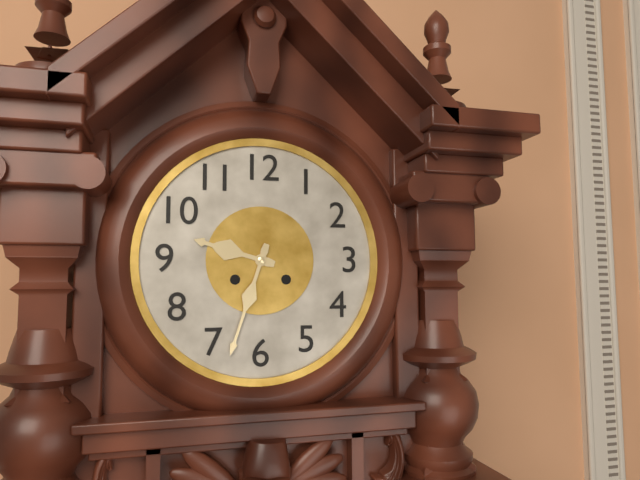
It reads 9:33
